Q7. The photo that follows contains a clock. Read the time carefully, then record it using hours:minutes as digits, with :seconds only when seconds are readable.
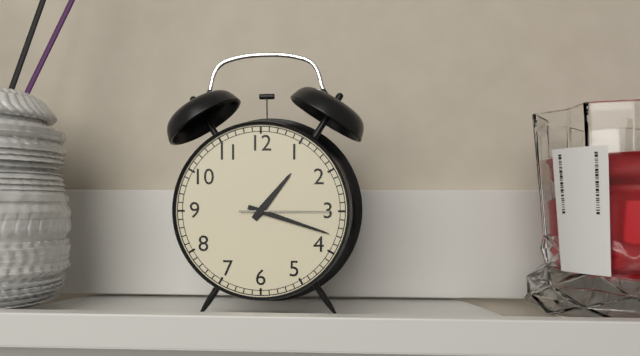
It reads 1:18:15
